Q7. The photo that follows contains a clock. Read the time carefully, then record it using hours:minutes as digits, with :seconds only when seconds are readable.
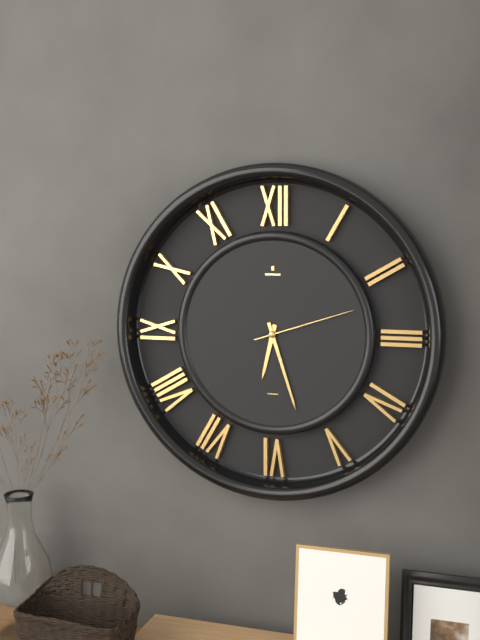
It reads 6:27:12
